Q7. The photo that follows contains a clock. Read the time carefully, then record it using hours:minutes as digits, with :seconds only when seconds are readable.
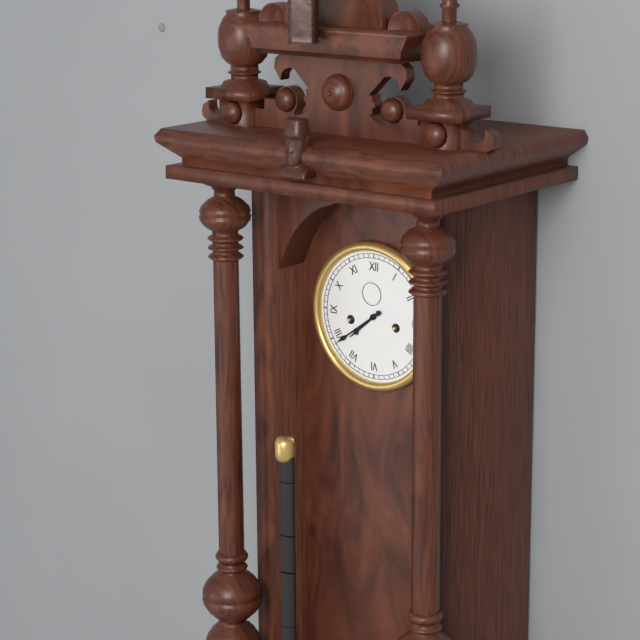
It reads 7:39
